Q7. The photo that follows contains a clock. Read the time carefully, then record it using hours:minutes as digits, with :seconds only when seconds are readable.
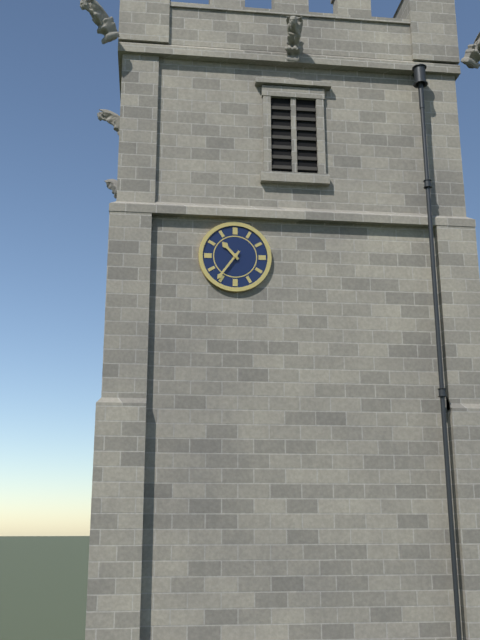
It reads 10:36
